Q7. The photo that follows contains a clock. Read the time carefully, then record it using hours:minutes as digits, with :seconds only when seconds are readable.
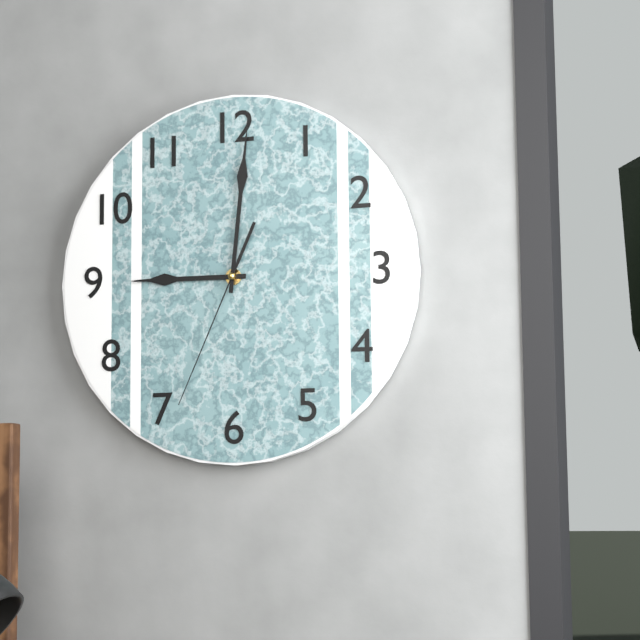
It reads 9:01:34
